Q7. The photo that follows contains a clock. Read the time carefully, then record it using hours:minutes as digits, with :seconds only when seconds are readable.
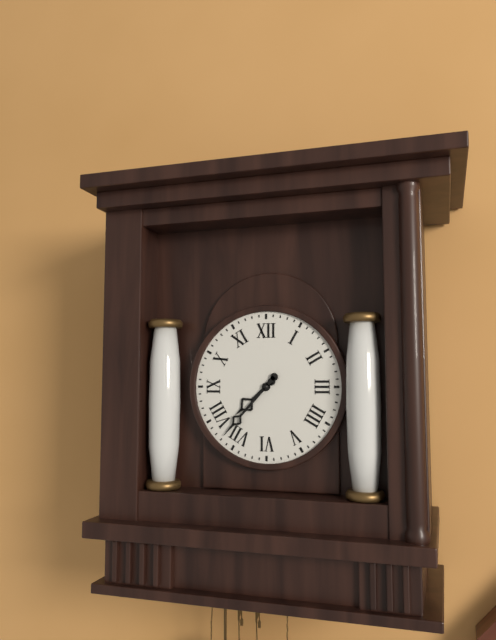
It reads 7:37
